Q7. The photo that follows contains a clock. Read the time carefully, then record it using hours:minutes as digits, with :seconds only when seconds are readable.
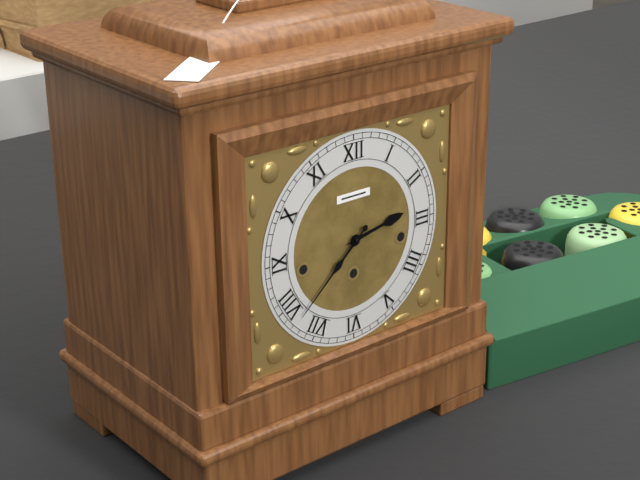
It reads 2:38
